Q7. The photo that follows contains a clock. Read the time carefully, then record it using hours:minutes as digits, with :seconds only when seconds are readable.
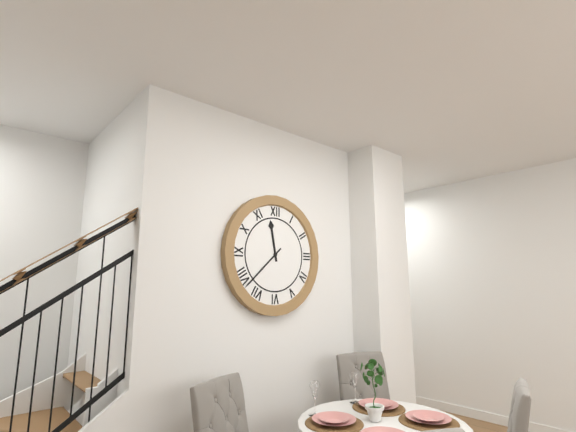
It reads 11:38
